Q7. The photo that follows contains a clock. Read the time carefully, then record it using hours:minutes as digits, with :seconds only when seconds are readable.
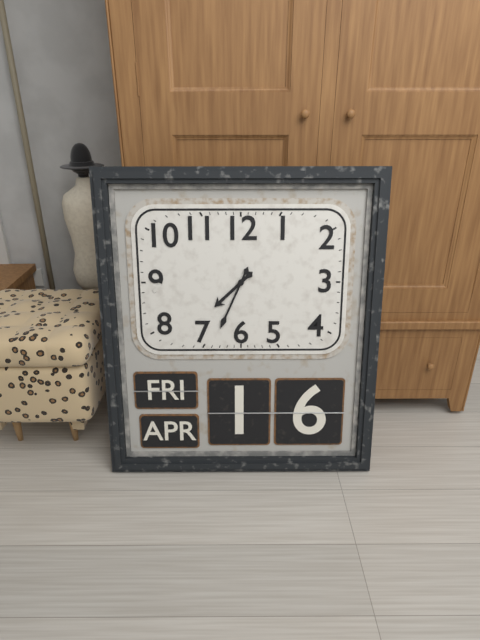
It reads 7:34
